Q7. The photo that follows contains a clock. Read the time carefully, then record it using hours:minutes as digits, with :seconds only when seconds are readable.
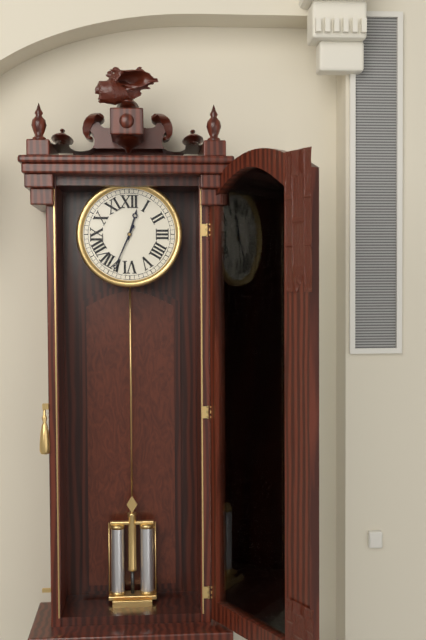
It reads 12:34
